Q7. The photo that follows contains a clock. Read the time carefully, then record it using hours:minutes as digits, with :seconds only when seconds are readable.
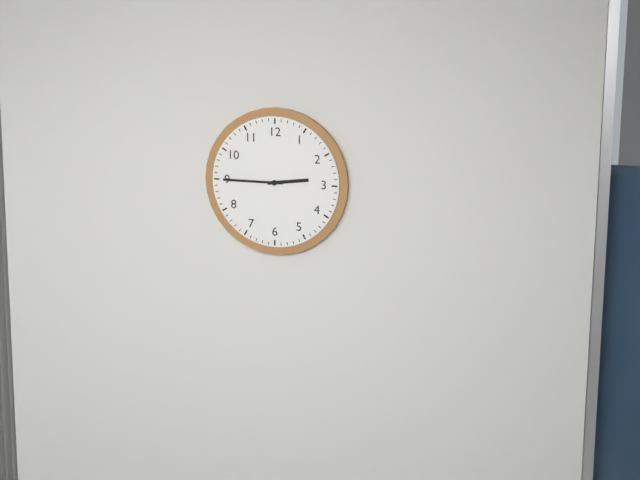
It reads 2:45
